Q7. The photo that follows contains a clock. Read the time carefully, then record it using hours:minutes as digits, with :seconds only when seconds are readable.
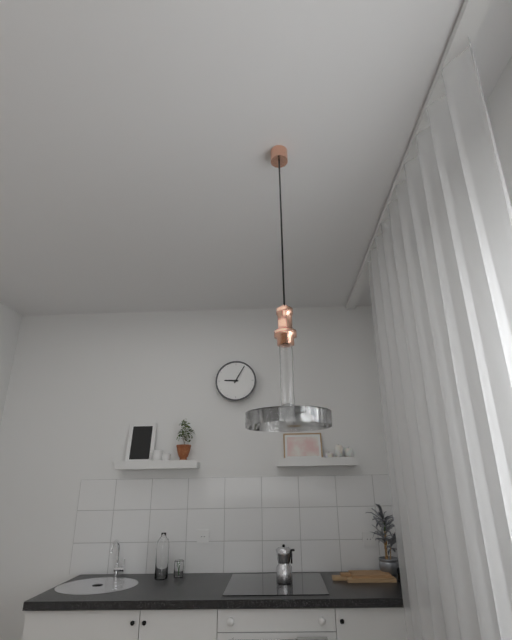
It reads 9:05
